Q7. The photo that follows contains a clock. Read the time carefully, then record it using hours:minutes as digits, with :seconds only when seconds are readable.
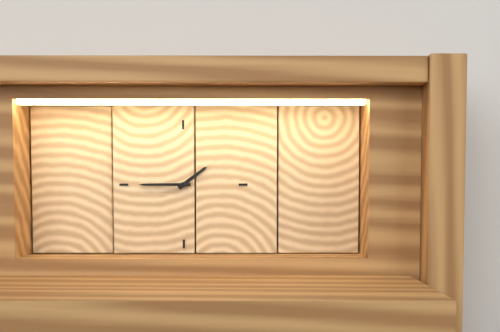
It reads 1:45
